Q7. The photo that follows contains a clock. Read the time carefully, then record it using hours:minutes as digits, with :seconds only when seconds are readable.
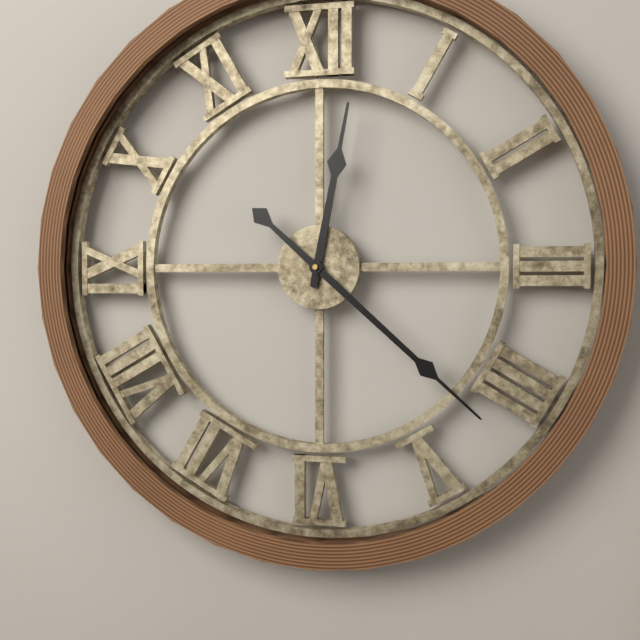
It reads 12:22
